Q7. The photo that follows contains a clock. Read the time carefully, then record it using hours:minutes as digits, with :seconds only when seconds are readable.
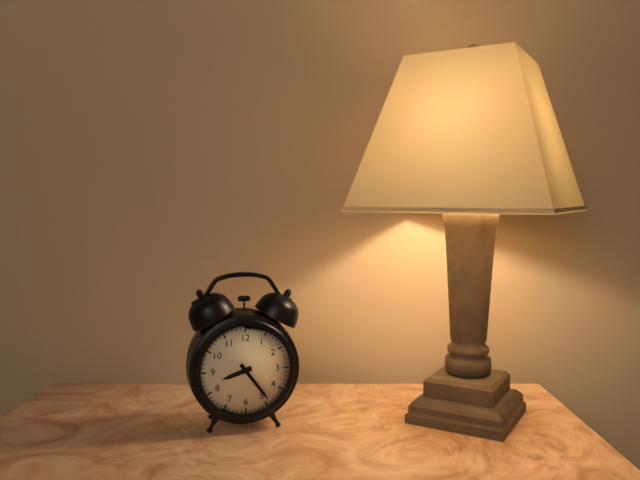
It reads 8:24
